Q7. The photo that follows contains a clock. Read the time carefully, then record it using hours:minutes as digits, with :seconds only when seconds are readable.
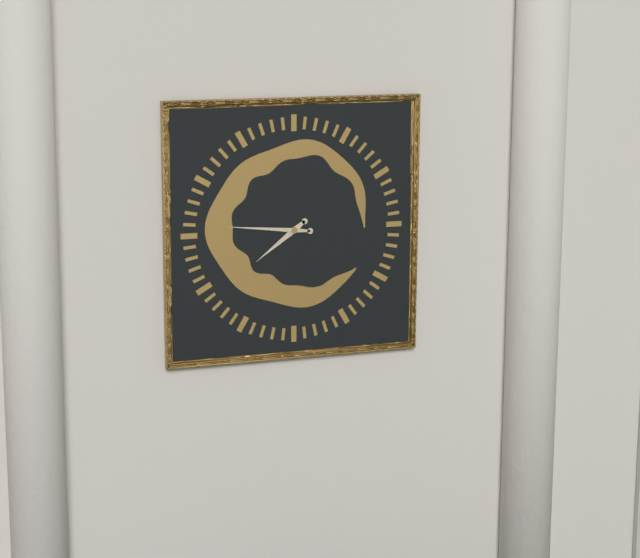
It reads 7:46
